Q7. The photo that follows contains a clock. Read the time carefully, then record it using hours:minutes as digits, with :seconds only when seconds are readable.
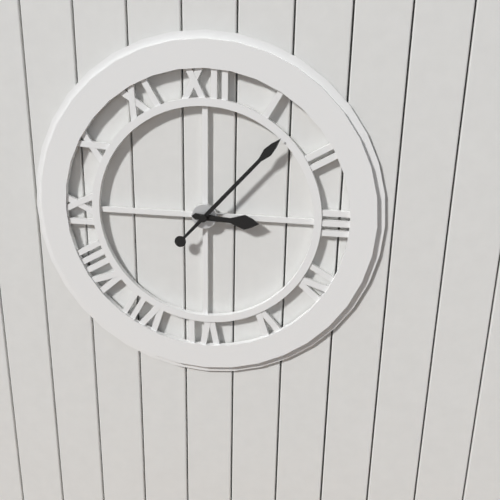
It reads 3:07
